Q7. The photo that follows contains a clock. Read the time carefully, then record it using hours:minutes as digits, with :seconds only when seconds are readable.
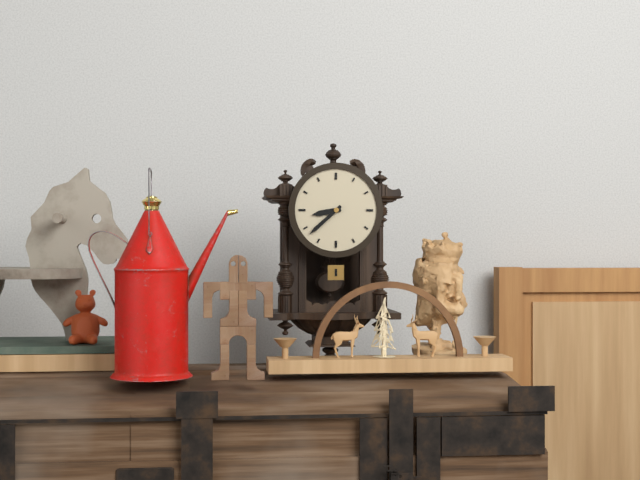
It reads 8:38
